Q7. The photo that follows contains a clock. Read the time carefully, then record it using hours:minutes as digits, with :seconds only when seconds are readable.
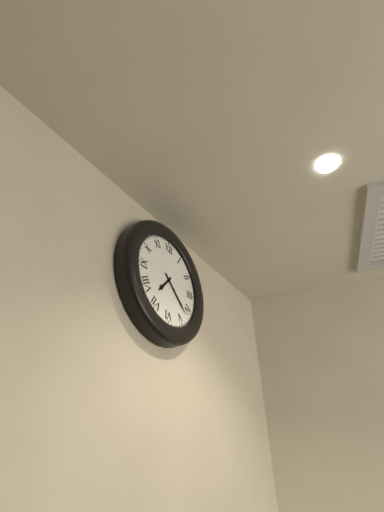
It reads 7:22
